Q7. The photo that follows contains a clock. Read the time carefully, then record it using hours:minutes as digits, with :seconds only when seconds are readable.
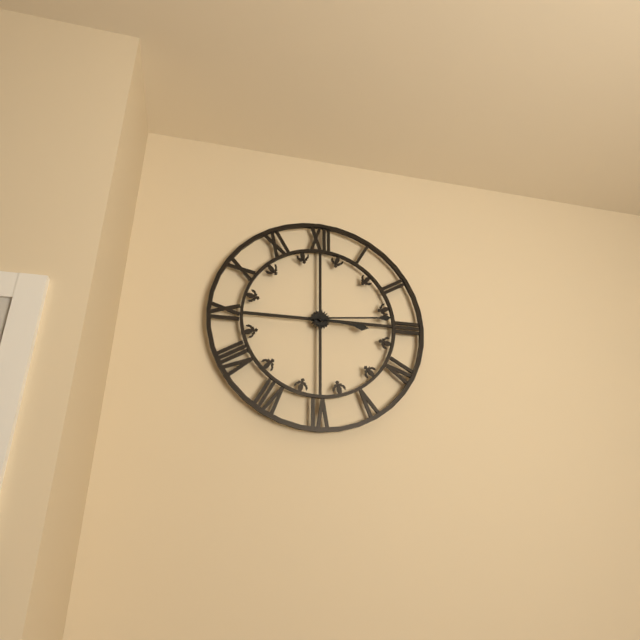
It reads 3:14
